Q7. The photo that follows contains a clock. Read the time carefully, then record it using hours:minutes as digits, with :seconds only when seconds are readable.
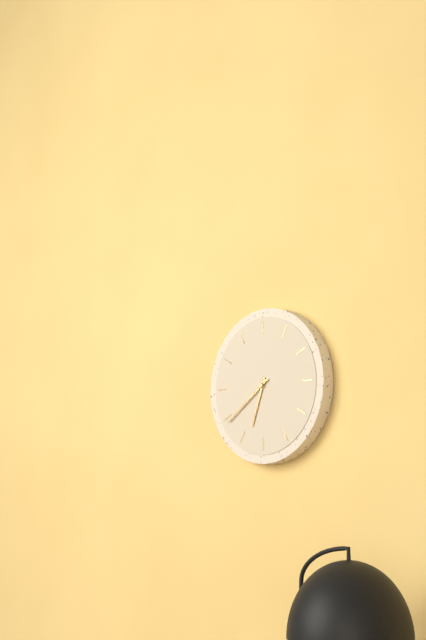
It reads 6:39
